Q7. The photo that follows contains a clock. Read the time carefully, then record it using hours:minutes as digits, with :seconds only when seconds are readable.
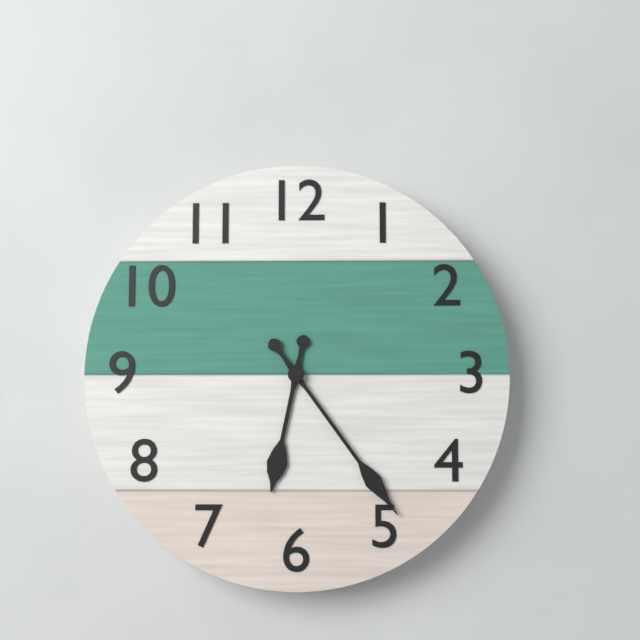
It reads 6:24
